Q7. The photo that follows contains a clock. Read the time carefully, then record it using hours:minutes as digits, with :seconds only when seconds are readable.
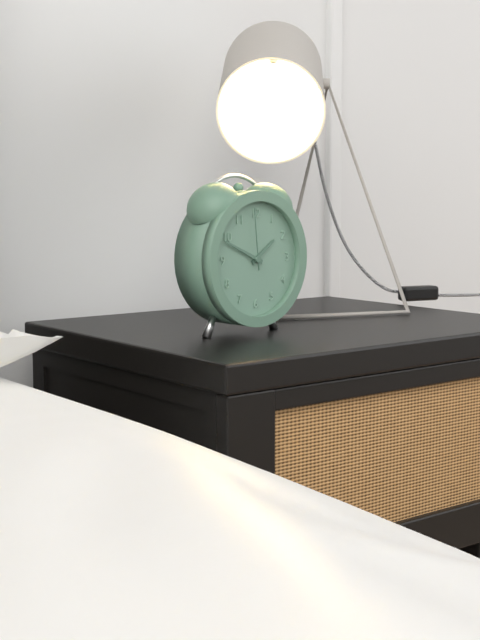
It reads 1:49:59
